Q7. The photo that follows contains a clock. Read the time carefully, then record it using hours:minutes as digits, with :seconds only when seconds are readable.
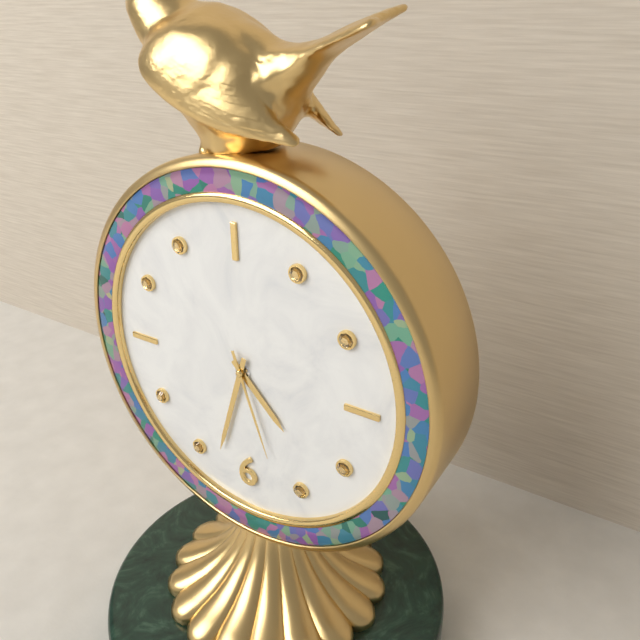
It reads 4:33:27
